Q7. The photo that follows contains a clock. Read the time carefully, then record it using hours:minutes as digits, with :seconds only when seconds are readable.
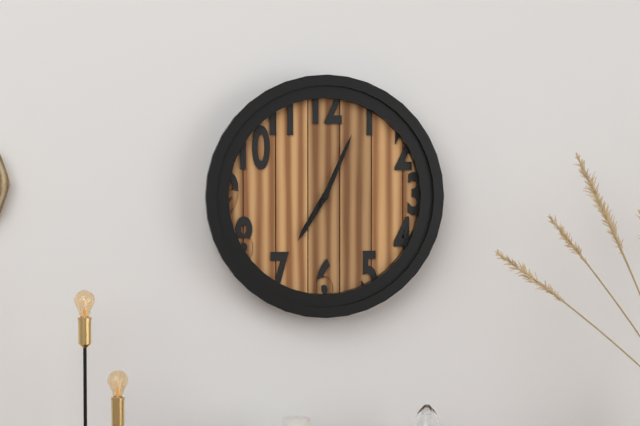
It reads 7:04
